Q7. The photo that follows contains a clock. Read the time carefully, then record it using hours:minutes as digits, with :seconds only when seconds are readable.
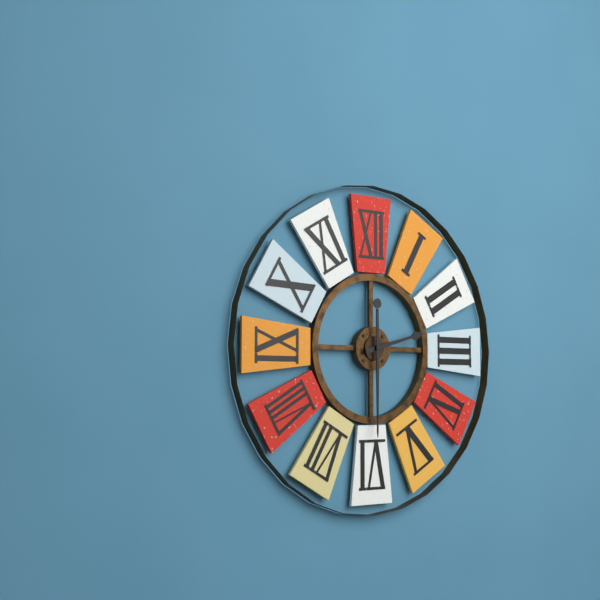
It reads 2:30
